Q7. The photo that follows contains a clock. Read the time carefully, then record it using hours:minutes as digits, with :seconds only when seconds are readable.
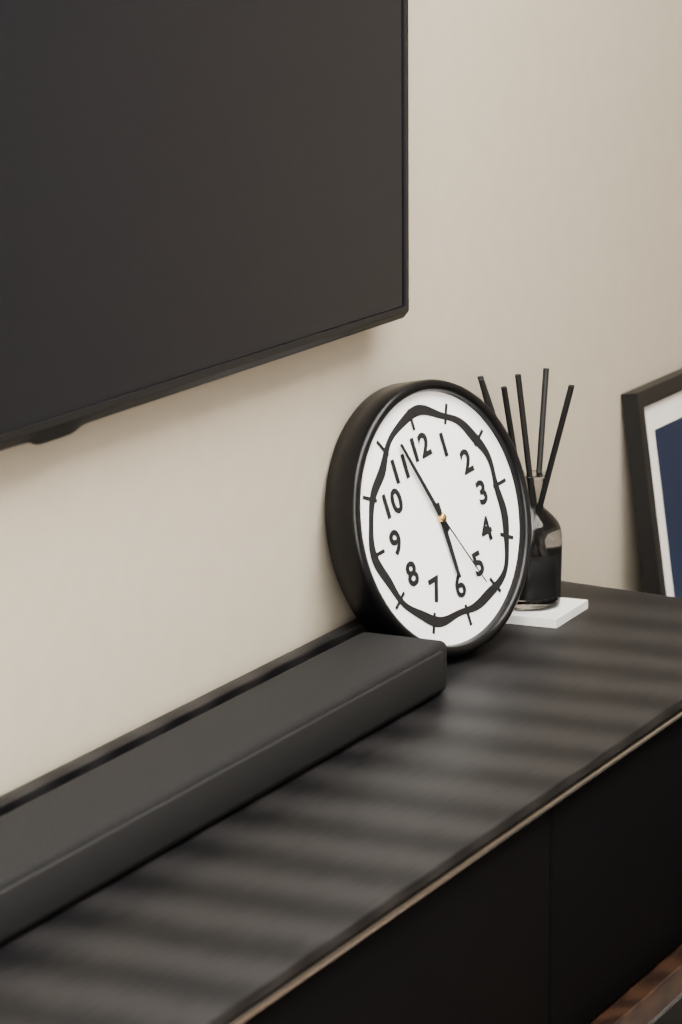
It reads 5:57:26
